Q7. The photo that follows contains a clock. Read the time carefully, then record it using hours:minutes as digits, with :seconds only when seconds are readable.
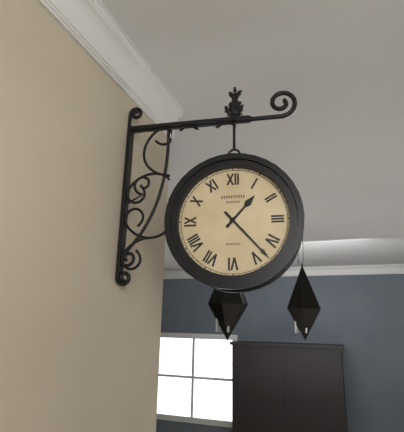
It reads 1:23
